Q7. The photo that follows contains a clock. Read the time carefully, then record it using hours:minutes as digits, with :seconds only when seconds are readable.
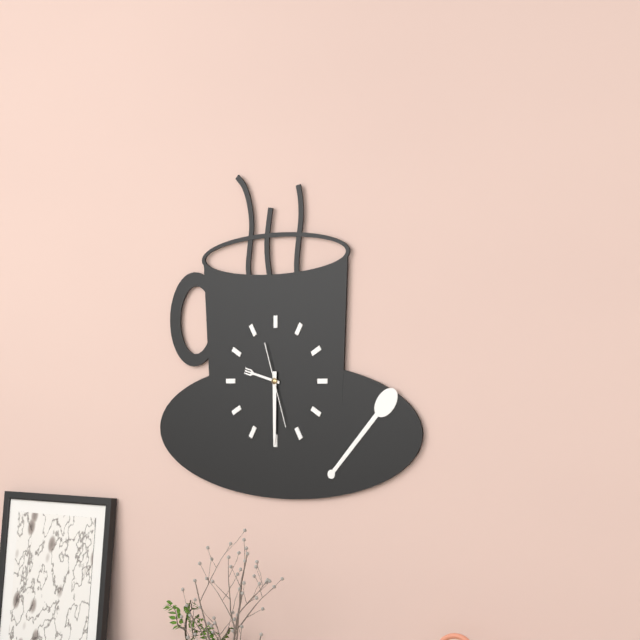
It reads 9:30:27
